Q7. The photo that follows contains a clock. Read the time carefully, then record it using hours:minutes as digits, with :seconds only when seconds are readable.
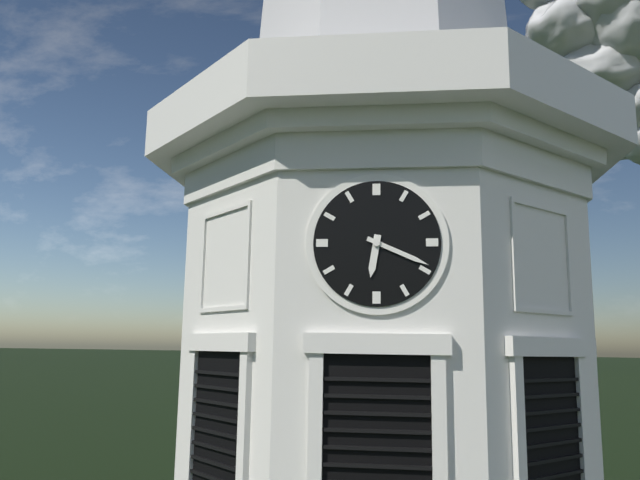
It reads 6:19
